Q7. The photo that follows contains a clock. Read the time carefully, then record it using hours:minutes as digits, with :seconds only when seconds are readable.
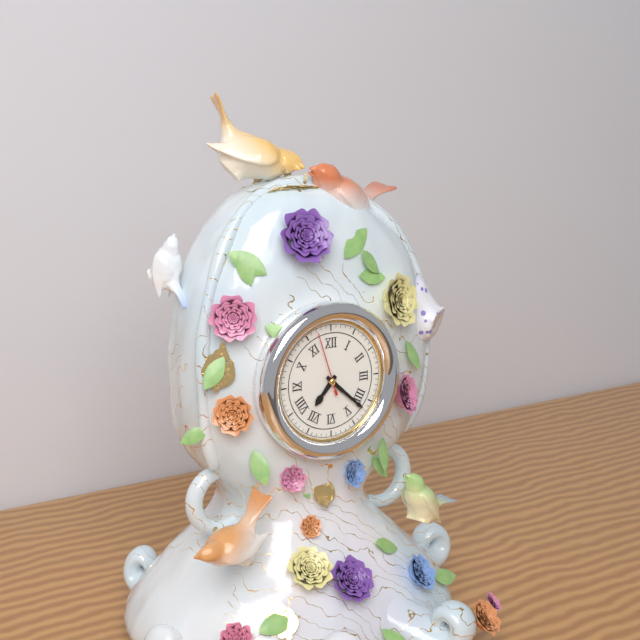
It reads 7:22:57
